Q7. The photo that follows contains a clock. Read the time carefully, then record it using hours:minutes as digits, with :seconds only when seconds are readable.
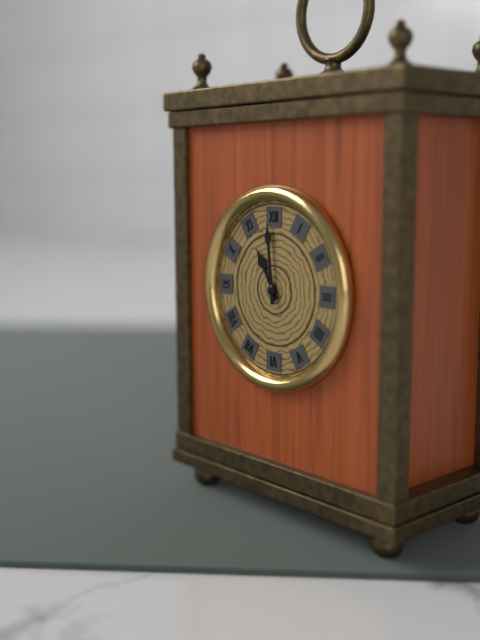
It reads 10:59
